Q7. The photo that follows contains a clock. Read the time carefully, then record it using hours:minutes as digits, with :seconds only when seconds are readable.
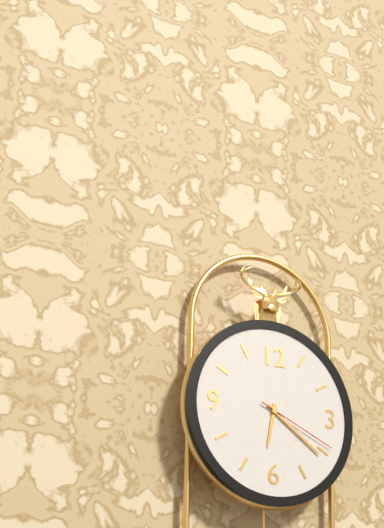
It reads 6:21:19
